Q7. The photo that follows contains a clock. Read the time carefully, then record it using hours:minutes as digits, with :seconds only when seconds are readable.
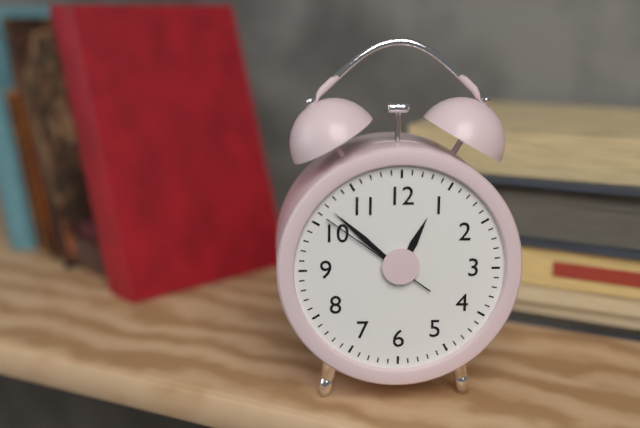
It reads 12:52:51
